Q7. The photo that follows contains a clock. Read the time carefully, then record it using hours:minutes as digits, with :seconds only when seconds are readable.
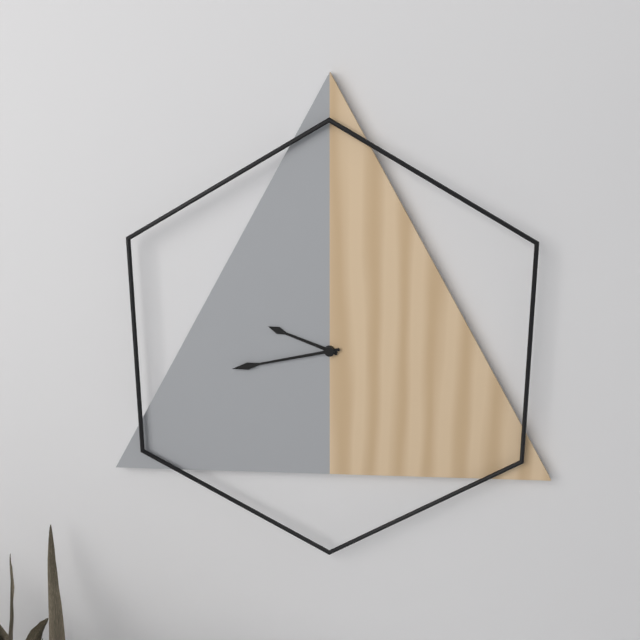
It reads 9:43
